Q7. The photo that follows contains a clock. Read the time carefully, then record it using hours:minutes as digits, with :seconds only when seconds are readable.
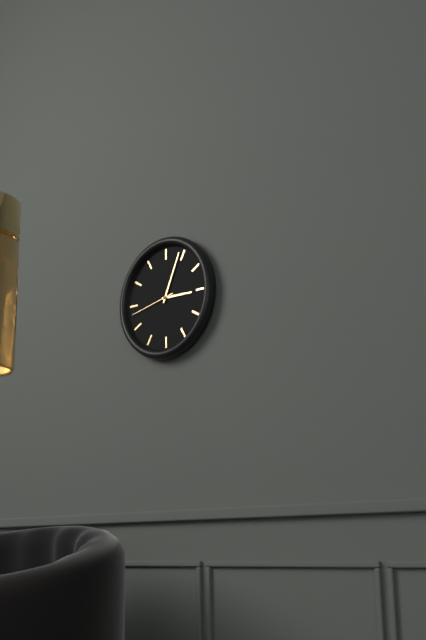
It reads 3:04
